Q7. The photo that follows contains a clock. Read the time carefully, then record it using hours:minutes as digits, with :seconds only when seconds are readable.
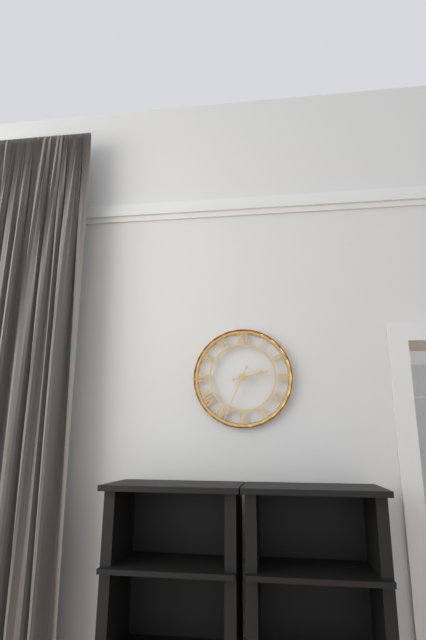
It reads 2:34
